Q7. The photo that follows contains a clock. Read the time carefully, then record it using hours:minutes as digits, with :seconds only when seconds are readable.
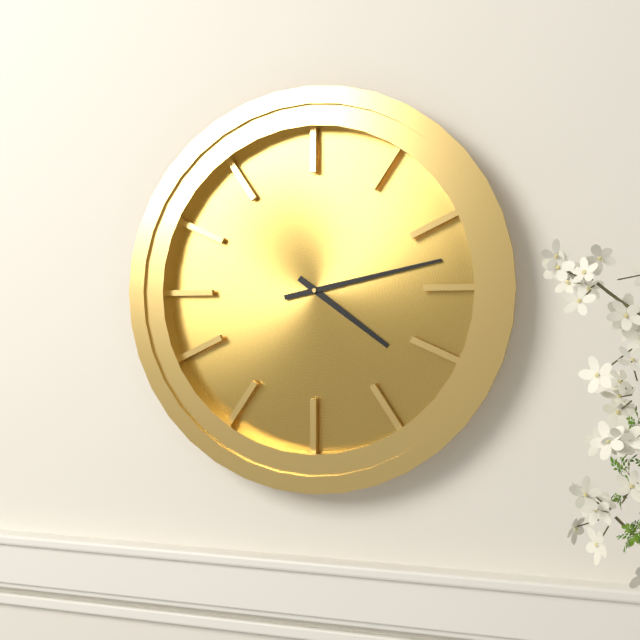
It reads 4:13
